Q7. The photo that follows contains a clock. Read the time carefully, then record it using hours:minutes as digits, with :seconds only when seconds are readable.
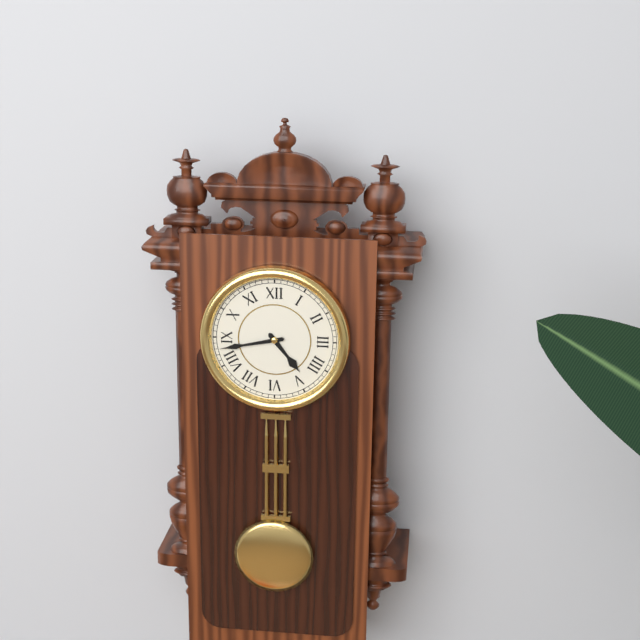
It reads 4:43
